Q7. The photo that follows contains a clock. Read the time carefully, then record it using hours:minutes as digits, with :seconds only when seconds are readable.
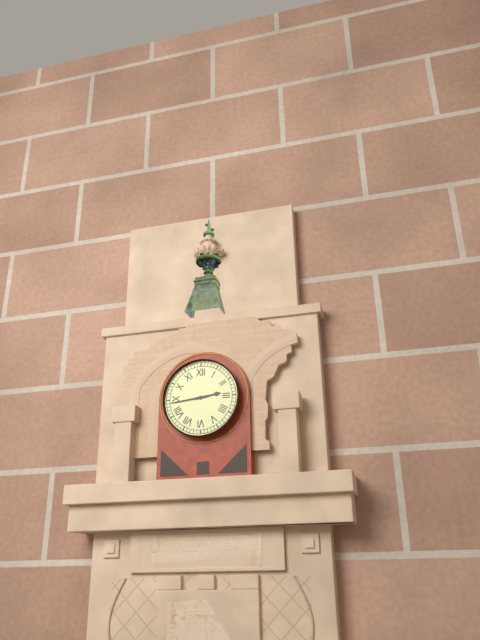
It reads 2:44
